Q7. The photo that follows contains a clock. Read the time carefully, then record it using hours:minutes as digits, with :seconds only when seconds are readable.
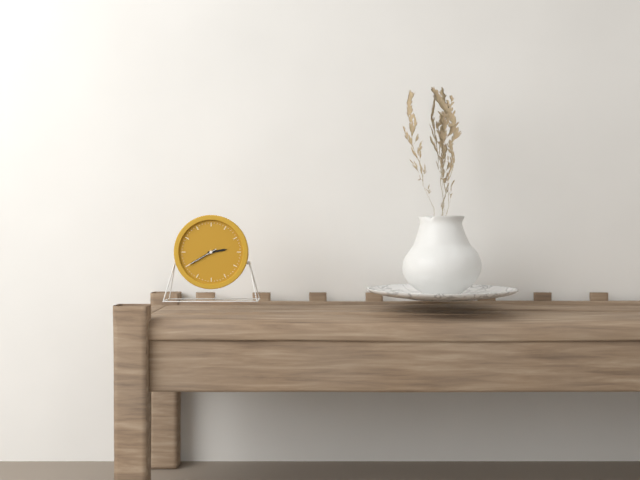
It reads 2:40
